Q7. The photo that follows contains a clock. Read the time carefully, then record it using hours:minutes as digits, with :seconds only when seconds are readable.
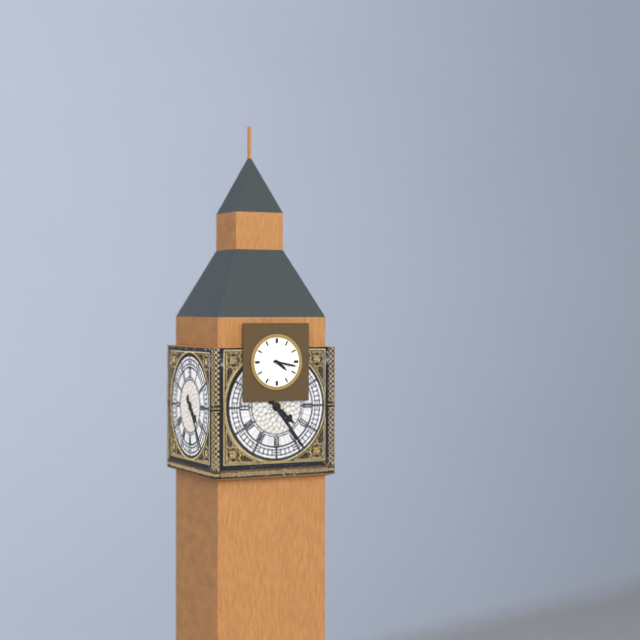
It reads 4:17
